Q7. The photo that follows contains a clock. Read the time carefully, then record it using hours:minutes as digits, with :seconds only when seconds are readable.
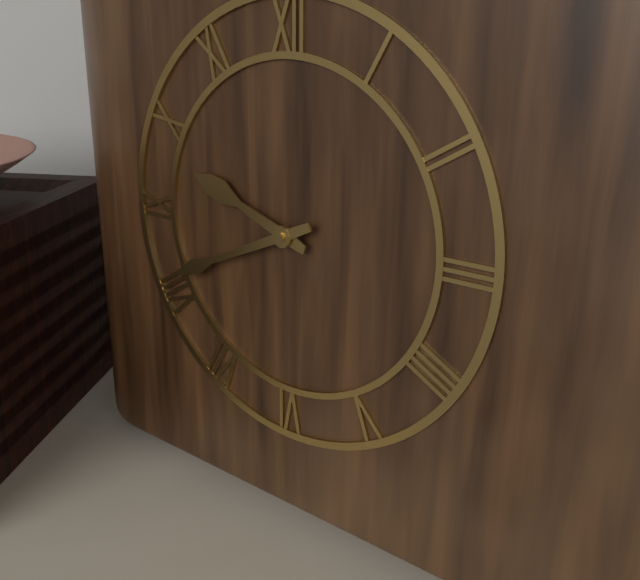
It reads 9:41
